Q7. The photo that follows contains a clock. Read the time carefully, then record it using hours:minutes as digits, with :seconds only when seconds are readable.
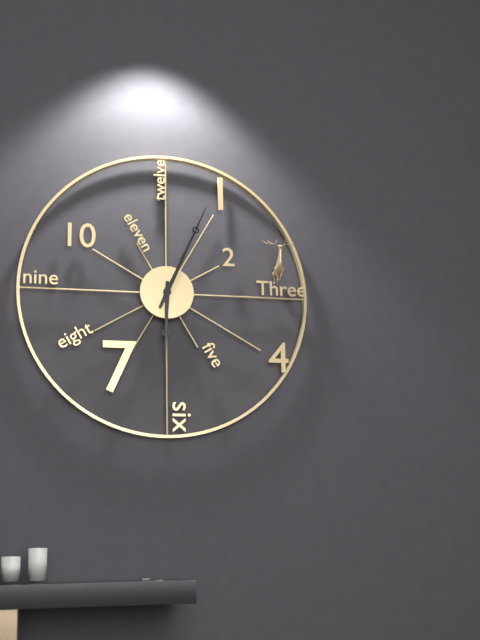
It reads 6:04
